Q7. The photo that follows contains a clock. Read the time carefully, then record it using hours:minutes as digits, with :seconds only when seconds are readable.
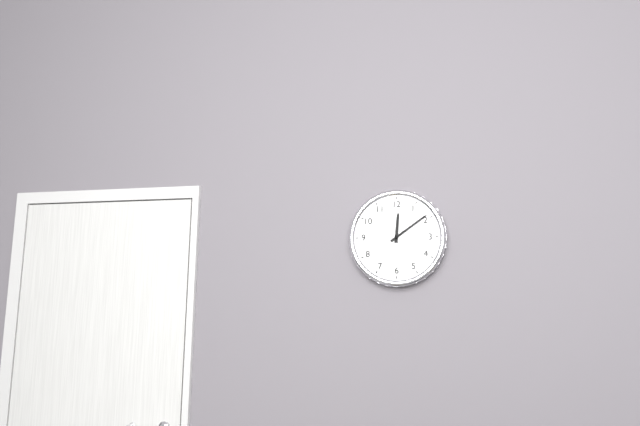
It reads 12:09
